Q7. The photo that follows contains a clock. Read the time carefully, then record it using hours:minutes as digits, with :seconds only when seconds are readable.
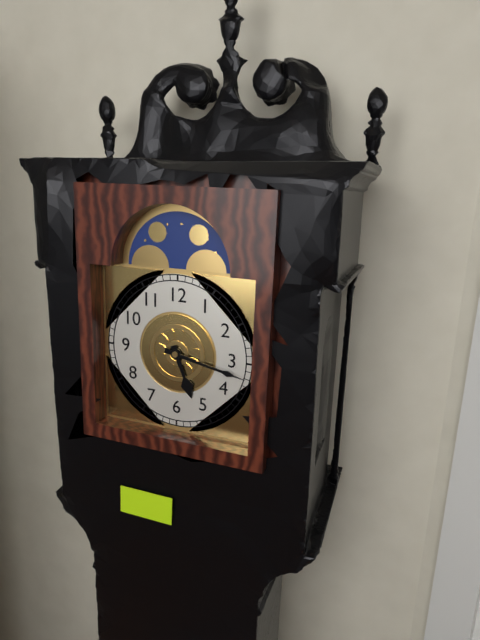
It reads 5:17
